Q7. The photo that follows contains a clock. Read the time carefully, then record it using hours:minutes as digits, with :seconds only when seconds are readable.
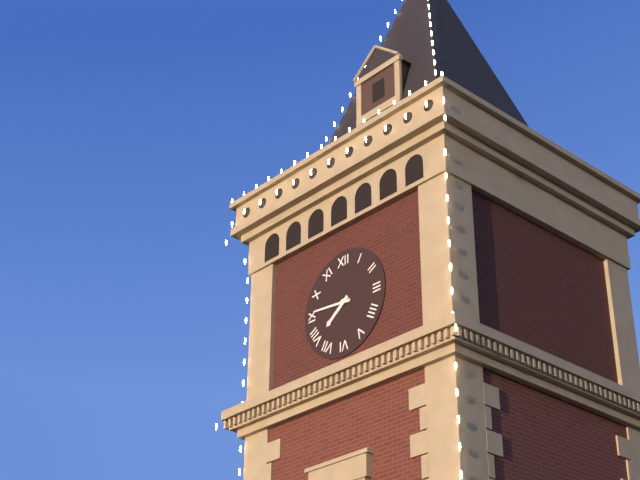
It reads 7:46
